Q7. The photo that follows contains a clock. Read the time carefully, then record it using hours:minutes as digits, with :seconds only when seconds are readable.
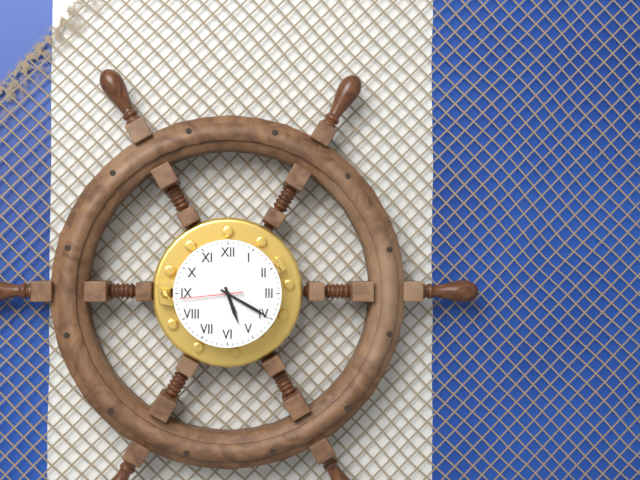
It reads 5:20:44
